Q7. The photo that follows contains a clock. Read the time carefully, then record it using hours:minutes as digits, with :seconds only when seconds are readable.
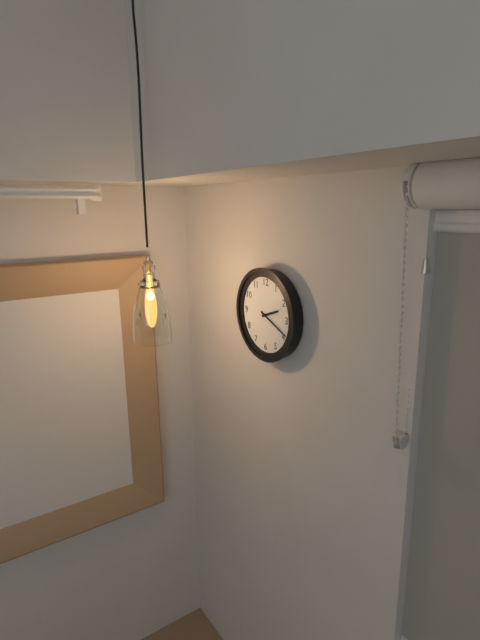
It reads 2:19
